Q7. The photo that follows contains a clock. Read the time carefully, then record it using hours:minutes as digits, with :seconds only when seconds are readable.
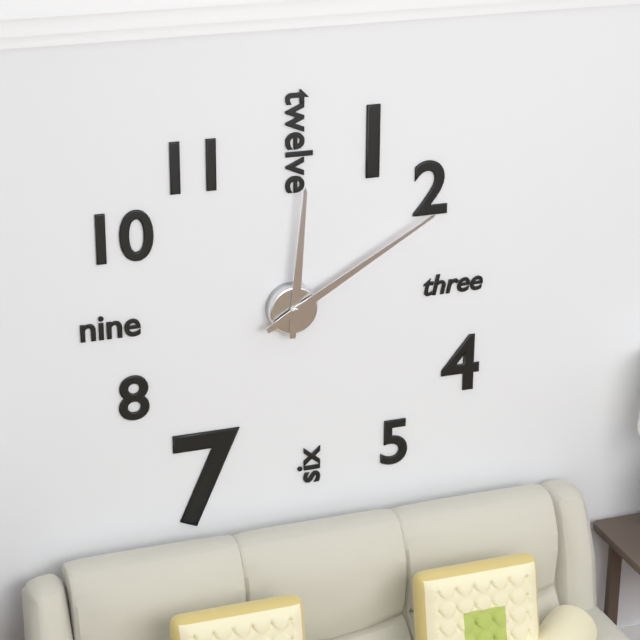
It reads 12:10
